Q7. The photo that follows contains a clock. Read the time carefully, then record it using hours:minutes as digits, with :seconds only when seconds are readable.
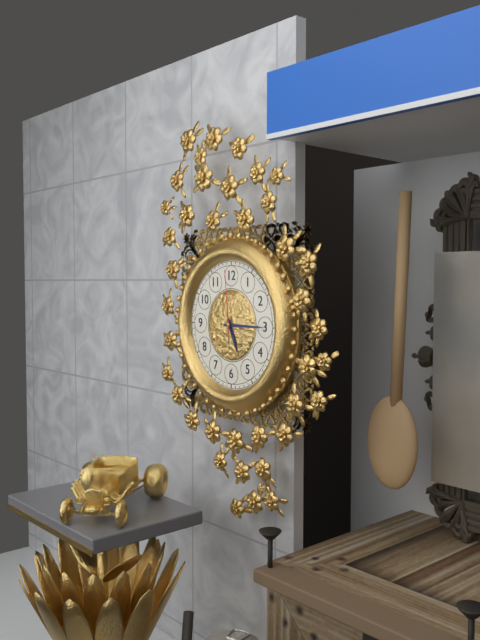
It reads 5:15:59
